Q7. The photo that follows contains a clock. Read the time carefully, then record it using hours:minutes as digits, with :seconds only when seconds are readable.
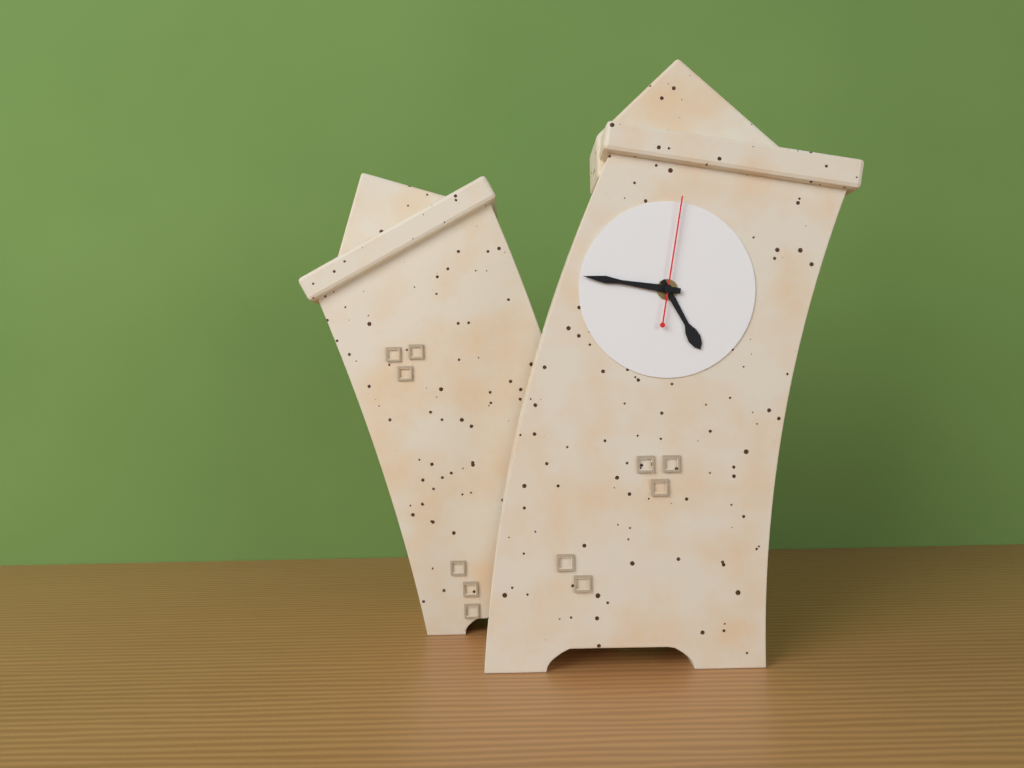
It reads 4:45:00
